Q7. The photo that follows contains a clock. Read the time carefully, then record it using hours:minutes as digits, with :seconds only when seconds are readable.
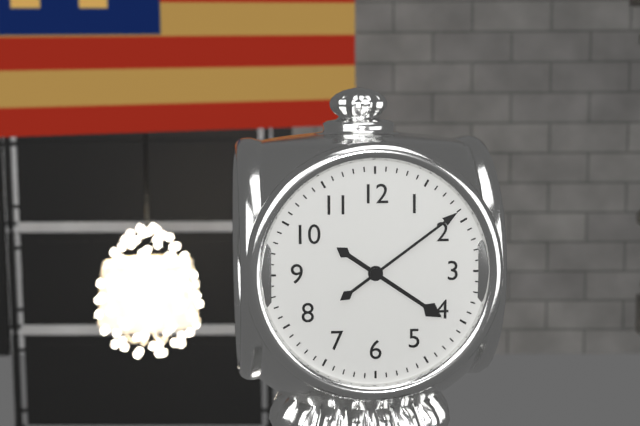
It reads 4:09
